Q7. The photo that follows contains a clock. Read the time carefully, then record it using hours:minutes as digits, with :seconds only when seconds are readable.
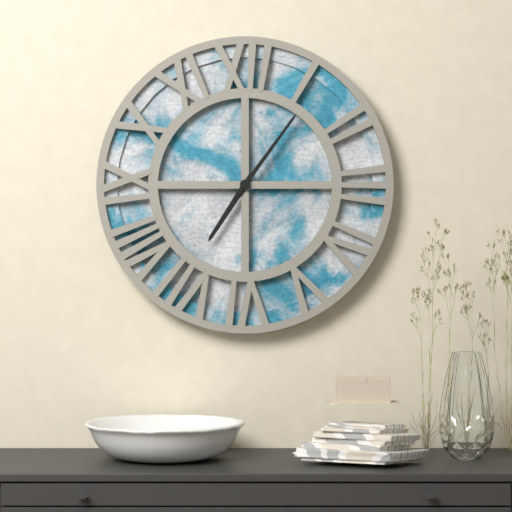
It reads 7:06
